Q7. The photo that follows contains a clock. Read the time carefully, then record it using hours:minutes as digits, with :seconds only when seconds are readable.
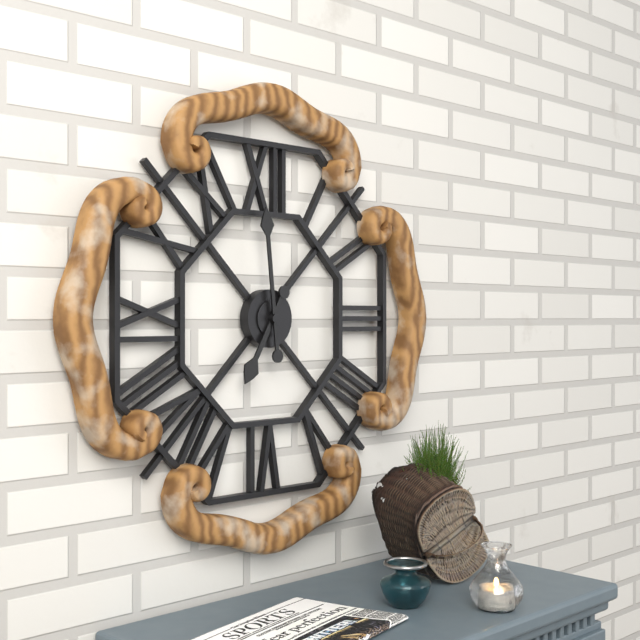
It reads 6:59
